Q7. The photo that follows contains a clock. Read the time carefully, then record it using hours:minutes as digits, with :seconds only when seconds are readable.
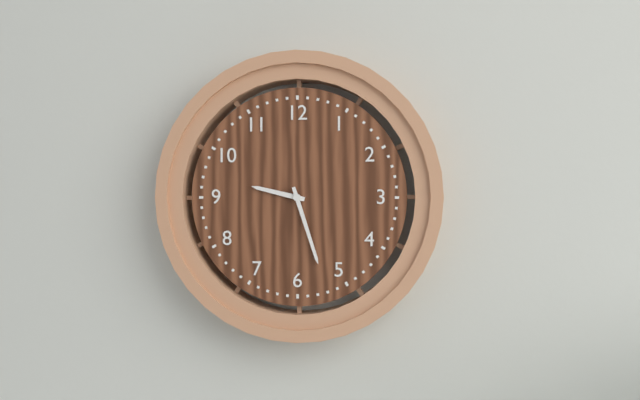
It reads 9:27
